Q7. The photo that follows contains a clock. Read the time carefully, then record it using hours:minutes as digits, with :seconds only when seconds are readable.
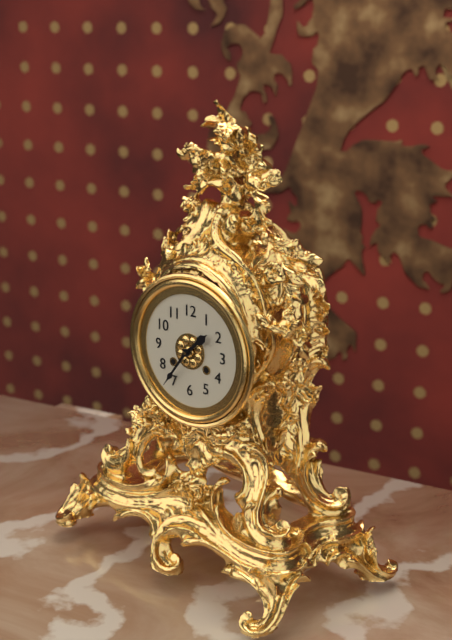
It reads 1:36
